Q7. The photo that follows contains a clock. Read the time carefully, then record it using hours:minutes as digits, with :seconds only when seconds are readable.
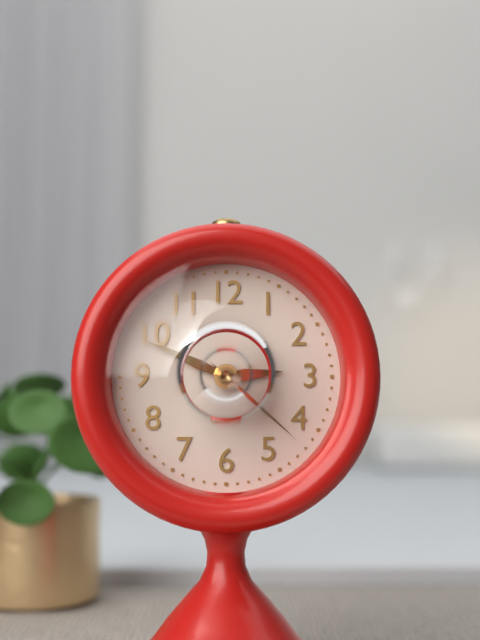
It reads 2:49:22
